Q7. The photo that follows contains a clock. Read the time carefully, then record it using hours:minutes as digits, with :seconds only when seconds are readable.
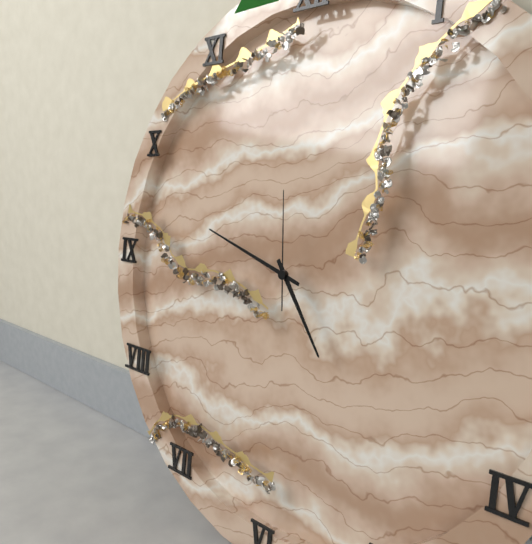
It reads 4:48:59
